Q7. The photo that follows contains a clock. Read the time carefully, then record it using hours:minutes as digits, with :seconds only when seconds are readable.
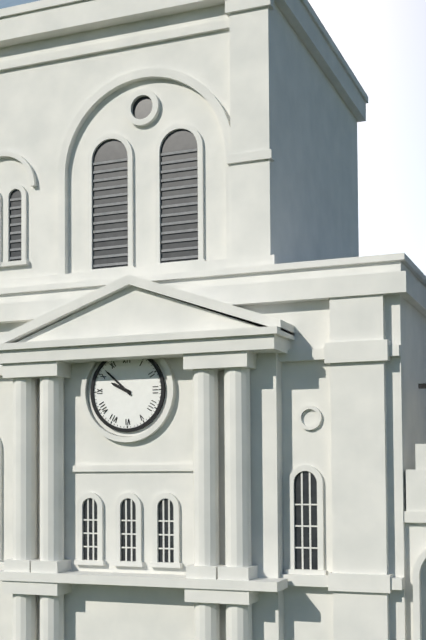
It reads 9:52
